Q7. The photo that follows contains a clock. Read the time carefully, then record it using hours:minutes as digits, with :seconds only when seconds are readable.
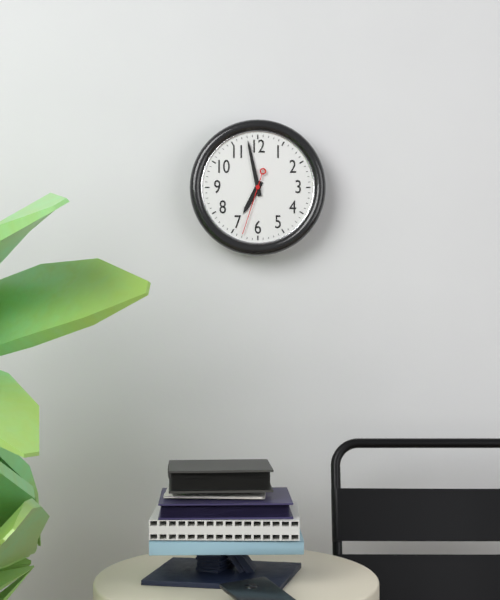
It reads 6:58:33
